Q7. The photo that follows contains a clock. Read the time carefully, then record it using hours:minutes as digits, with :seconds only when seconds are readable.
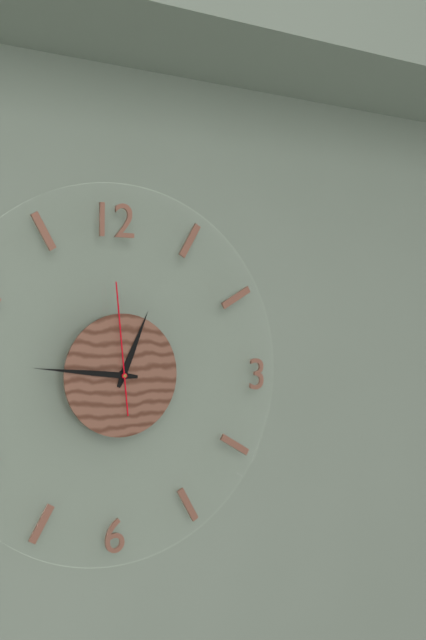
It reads 12:46:59
